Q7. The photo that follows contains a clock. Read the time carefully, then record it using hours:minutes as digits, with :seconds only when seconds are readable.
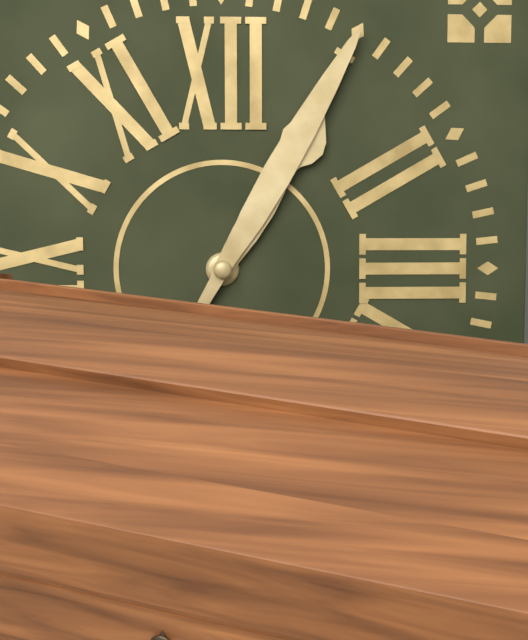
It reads 1:05
